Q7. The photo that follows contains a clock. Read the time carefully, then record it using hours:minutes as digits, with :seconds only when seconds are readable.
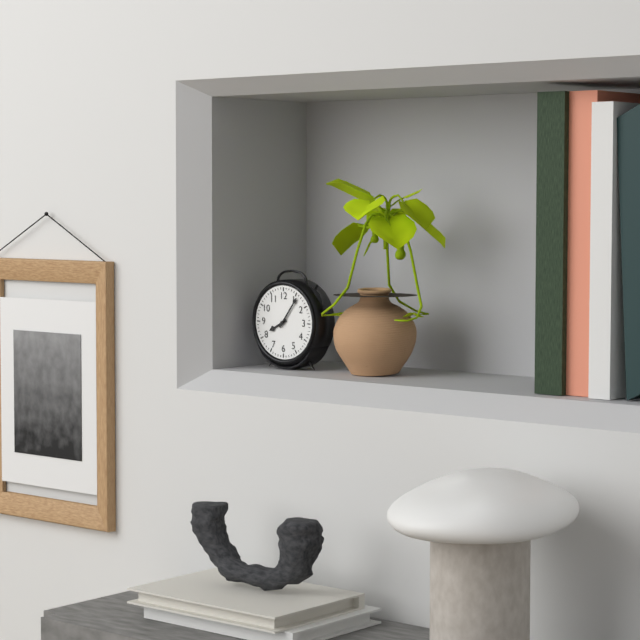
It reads 8:06
